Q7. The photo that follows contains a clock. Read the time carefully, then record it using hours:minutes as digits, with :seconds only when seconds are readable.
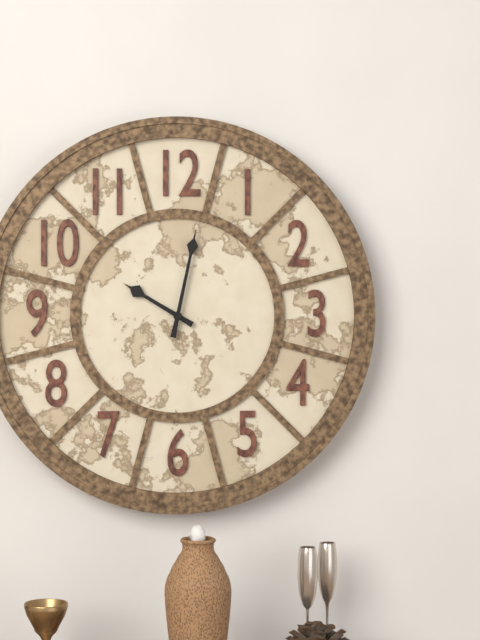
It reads 10:02
